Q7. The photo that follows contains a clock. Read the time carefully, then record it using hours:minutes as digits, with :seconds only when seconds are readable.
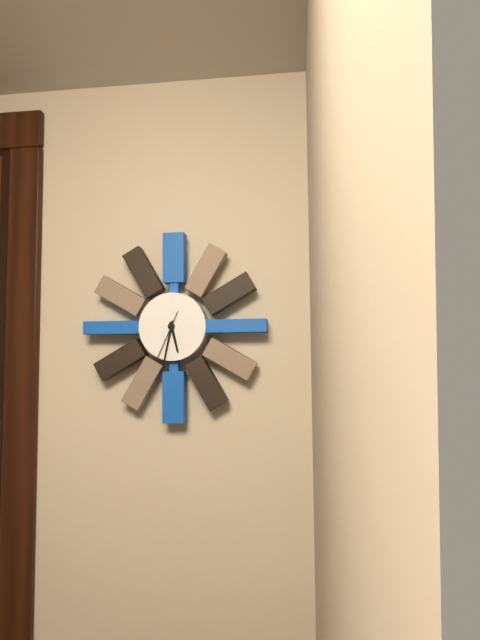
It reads 5:32
